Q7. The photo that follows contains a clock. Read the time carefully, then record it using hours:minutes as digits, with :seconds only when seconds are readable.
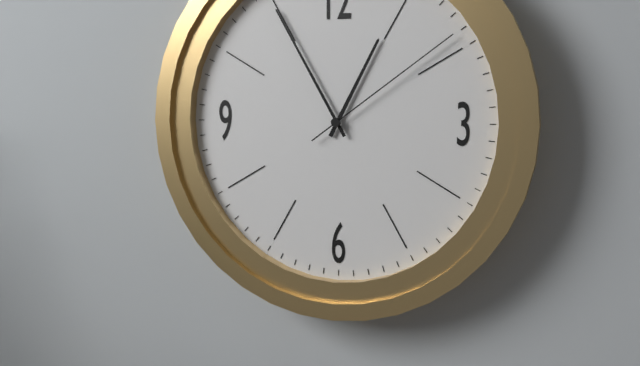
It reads 12:55:09
